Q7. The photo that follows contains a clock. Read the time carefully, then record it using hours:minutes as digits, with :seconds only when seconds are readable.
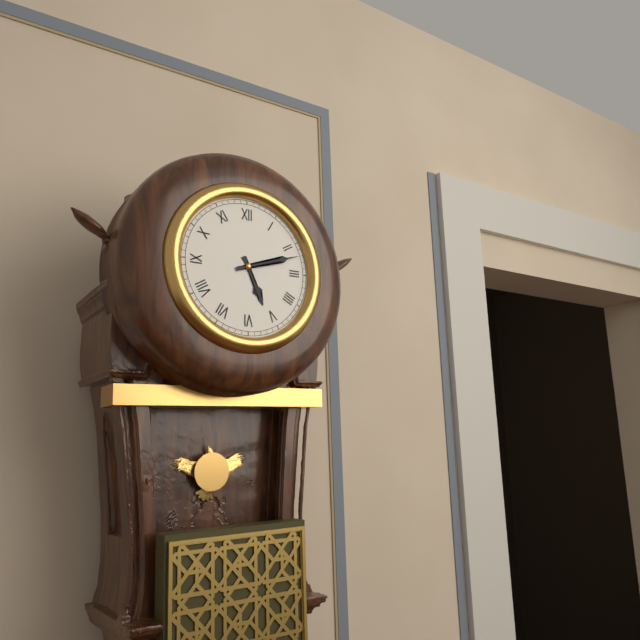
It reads 5:12
